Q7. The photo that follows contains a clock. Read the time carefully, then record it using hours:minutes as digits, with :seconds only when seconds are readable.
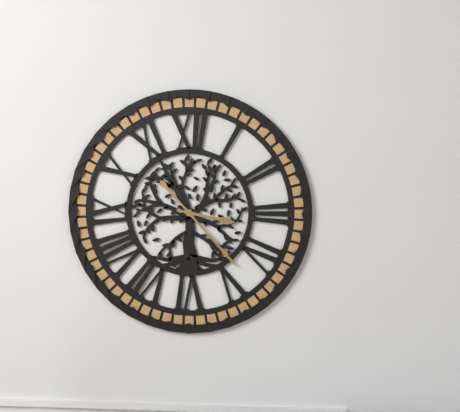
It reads 3:23
